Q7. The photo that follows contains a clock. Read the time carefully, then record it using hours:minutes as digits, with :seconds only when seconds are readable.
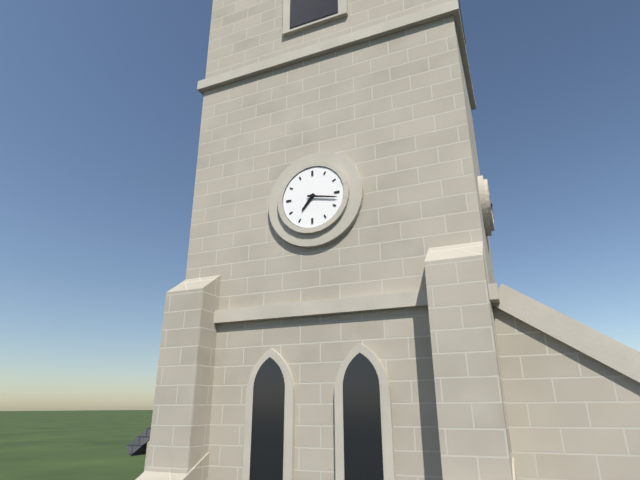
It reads 7:17
